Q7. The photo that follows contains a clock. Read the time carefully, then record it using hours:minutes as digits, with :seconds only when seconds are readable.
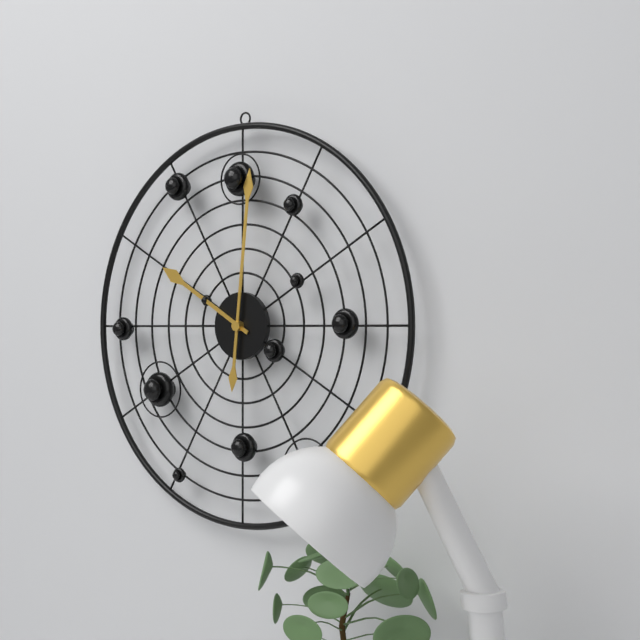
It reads 10:01
